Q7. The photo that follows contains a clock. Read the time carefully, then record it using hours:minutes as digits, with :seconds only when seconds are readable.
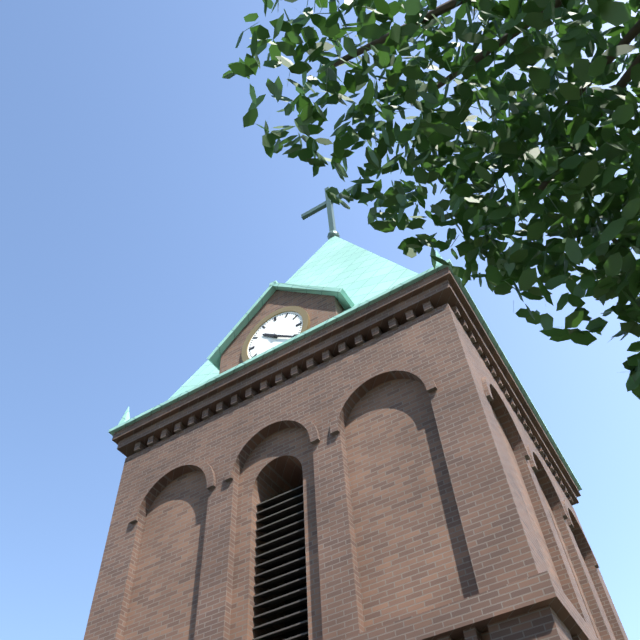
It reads 10:21
